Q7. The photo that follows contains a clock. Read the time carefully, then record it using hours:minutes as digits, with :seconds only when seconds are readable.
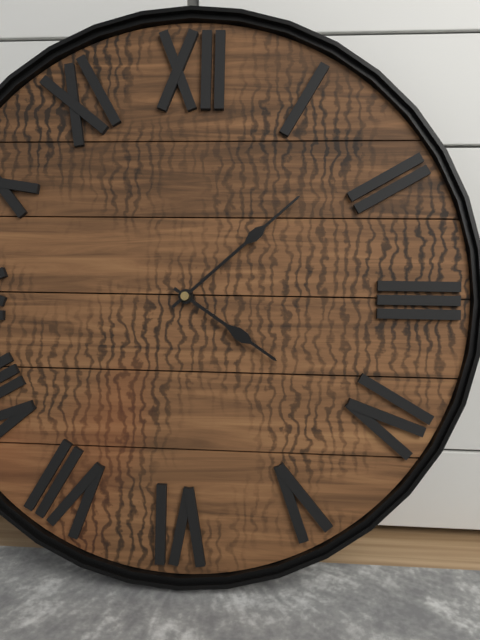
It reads 4:08
